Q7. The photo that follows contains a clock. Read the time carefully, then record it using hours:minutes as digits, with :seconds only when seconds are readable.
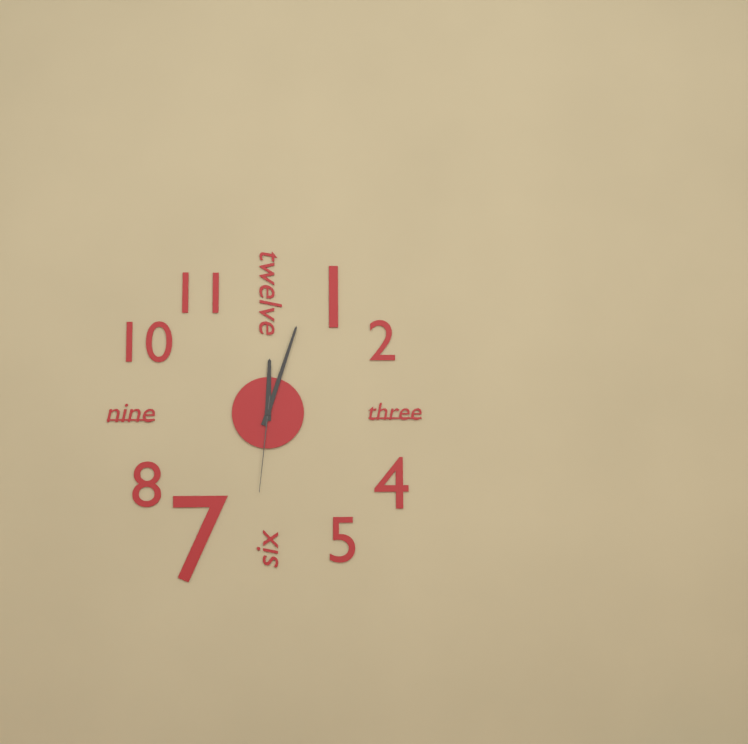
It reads 12:03:31
